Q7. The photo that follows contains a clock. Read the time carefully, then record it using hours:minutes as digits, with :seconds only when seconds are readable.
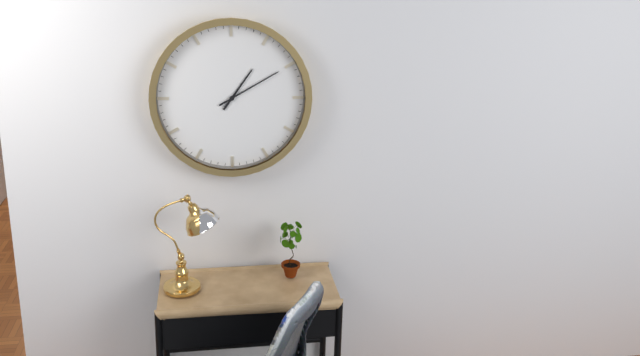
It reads 1:10
